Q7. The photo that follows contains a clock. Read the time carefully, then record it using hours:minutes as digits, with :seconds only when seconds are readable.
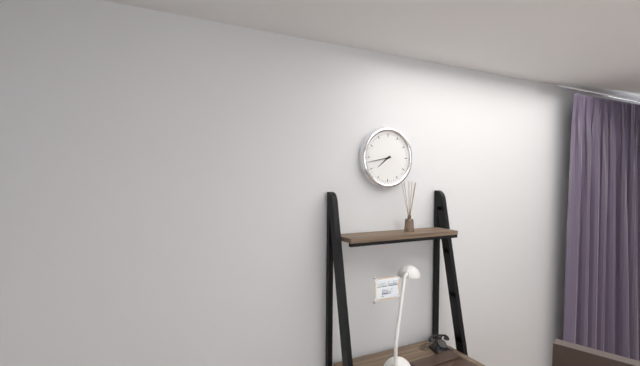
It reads 7:43
